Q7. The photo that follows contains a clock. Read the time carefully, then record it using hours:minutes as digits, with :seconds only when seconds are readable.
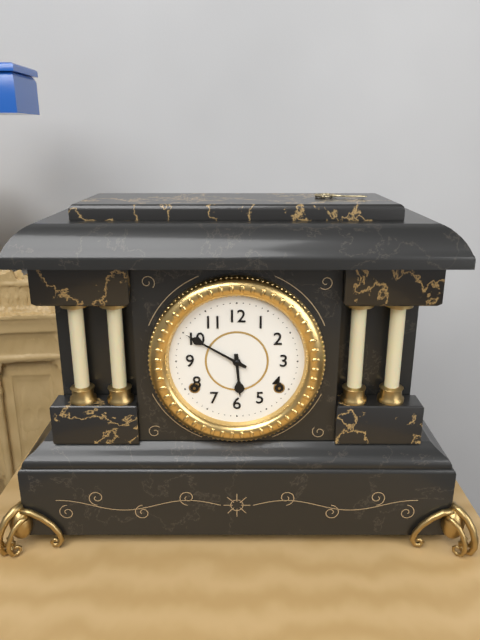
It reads 5:50
